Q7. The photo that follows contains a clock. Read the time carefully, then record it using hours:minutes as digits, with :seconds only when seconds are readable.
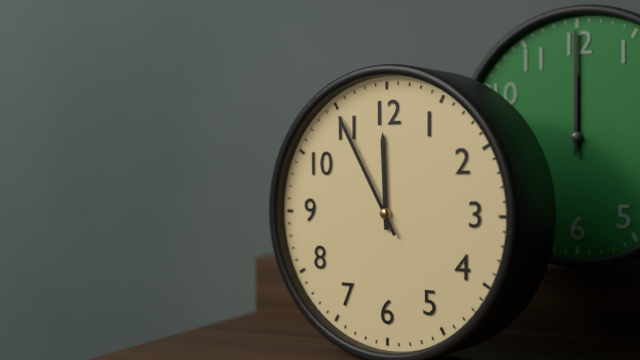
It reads 11:55
